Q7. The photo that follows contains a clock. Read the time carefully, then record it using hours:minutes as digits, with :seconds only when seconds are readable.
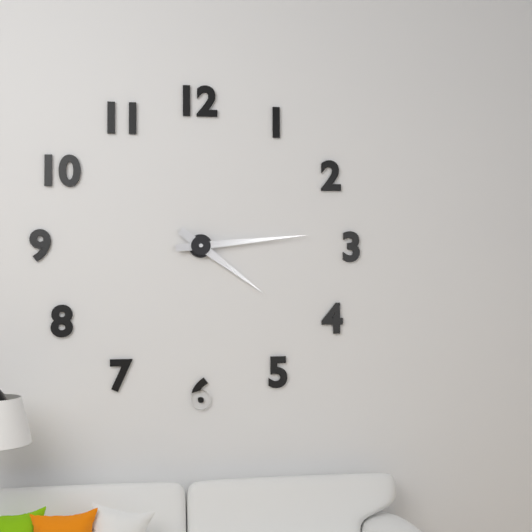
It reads 4:14
